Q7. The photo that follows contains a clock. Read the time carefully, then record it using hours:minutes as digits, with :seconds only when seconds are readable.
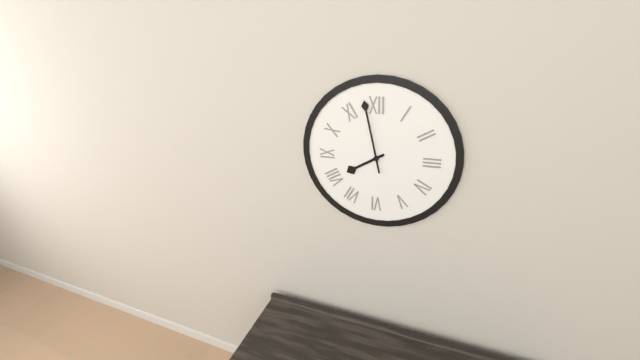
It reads 7:58
